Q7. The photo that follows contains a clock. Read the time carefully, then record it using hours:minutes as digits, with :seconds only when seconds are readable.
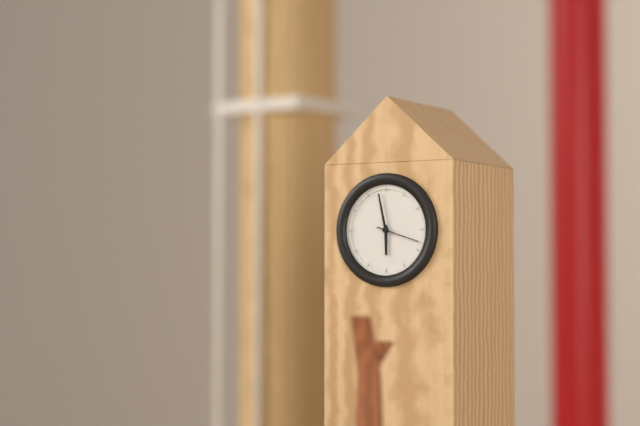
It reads 5:58
